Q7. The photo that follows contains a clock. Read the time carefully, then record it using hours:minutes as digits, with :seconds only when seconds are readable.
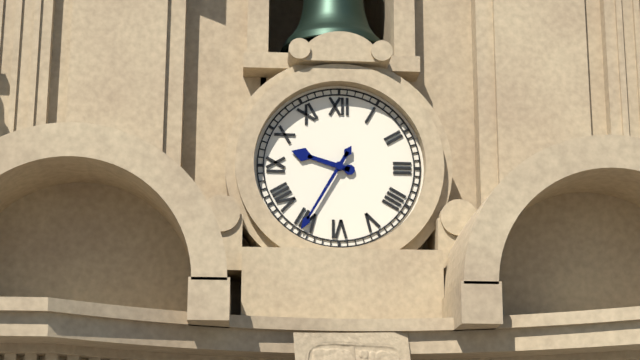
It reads 9:35
